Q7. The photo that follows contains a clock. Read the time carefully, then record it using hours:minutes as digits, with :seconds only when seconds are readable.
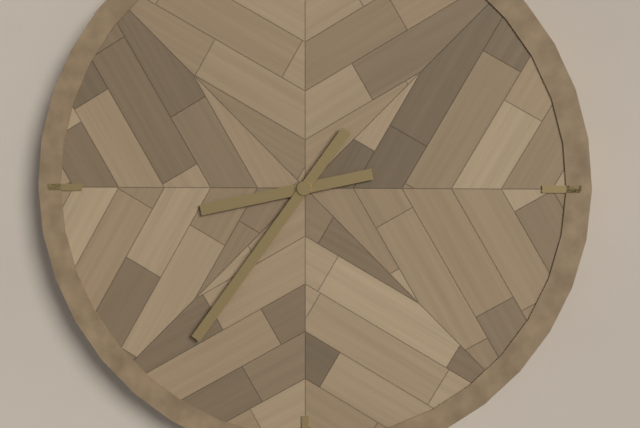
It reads 8:36
